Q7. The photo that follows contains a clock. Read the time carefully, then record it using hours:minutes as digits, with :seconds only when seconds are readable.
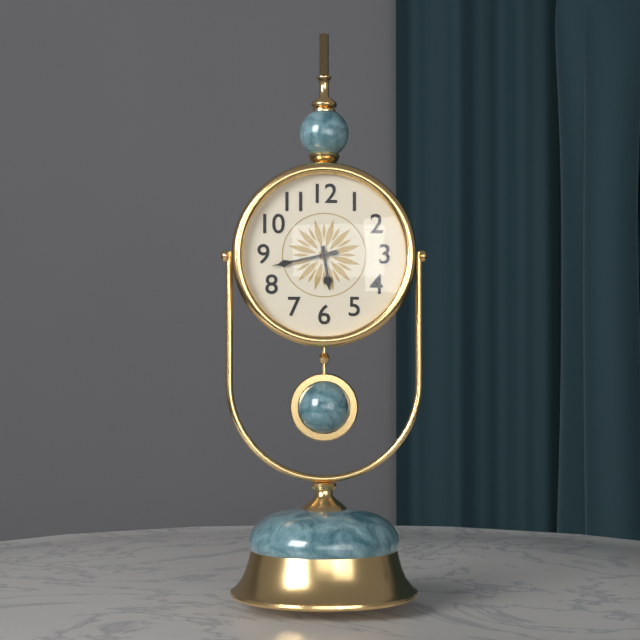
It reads 5:43
